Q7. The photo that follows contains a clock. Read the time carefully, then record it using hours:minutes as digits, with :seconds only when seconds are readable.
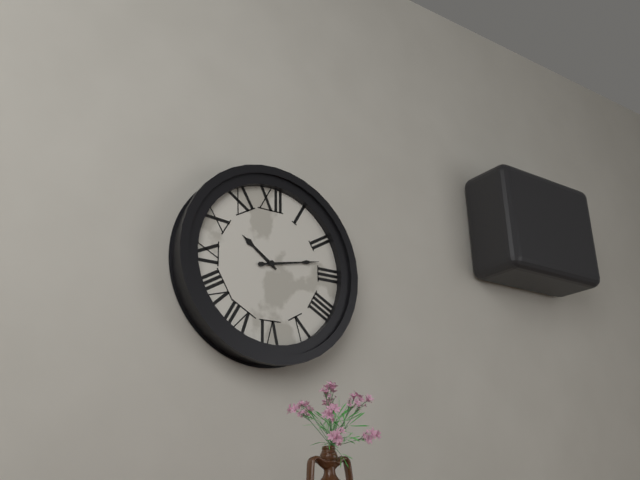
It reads 10:13
